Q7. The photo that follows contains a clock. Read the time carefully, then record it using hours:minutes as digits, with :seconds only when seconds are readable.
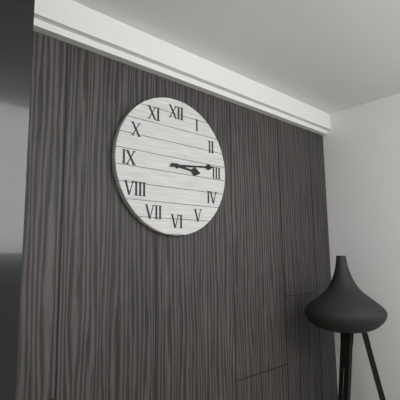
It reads 3:14
